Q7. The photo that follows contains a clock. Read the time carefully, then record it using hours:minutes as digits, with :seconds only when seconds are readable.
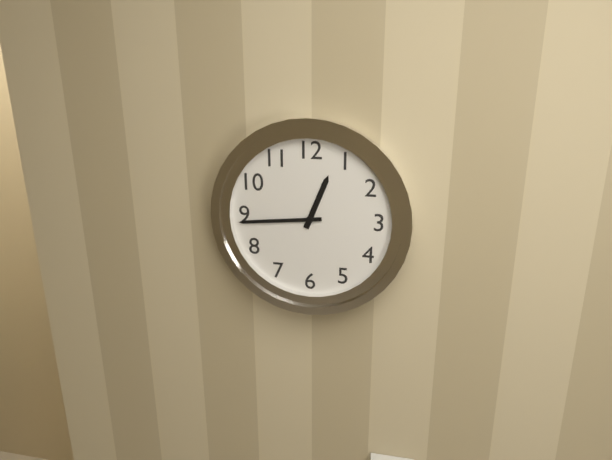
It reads 12:44
